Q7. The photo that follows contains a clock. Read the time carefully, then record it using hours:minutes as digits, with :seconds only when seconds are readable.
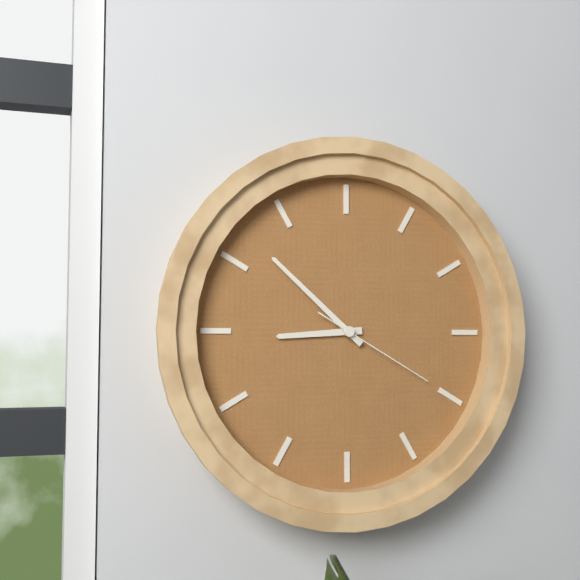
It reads 8:52:20
